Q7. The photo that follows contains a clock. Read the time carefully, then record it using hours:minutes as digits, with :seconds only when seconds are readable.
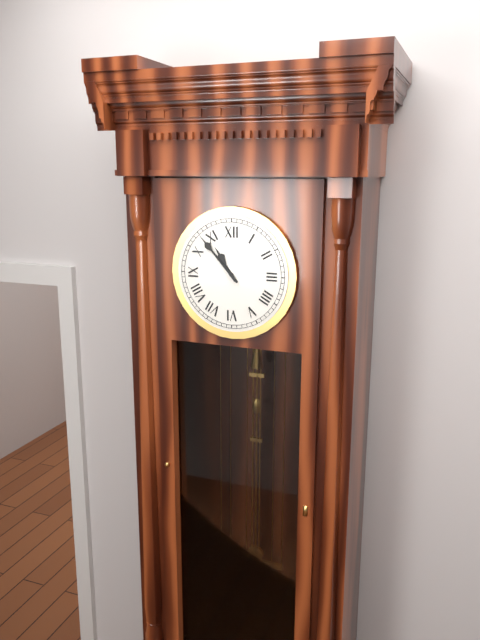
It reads 10:53
